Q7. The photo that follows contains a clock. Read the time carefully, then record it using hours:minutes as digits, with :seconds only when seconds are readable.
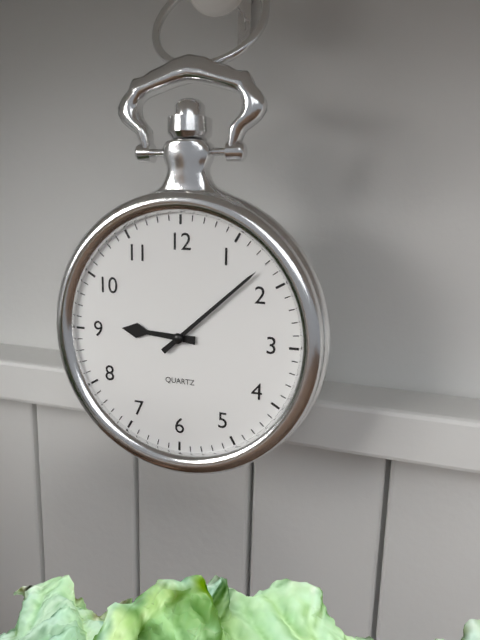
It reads 9:08
